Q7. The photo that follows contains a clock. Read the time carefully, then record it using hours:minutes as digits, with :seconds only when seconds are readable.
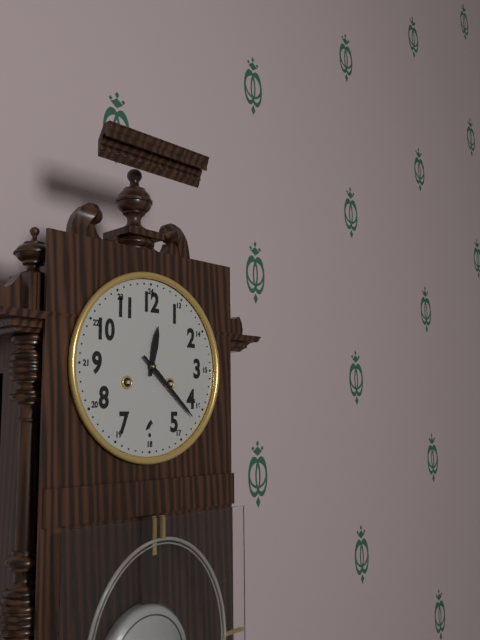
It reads 12:22
